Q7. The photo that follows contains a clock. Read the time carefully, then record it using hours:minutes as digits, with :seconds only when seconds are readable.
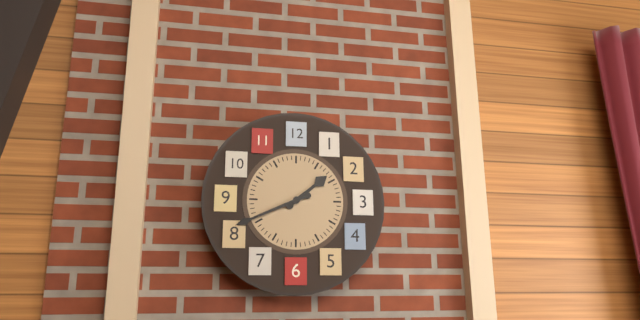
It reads 1:41
